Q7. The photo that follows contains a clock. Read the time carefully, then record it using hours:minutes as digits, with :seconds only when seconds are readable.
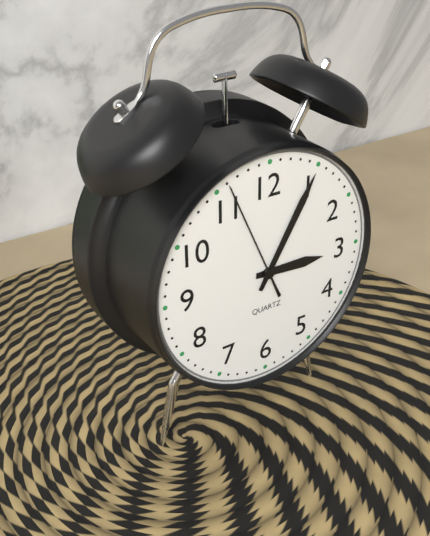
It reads 3:05:56
